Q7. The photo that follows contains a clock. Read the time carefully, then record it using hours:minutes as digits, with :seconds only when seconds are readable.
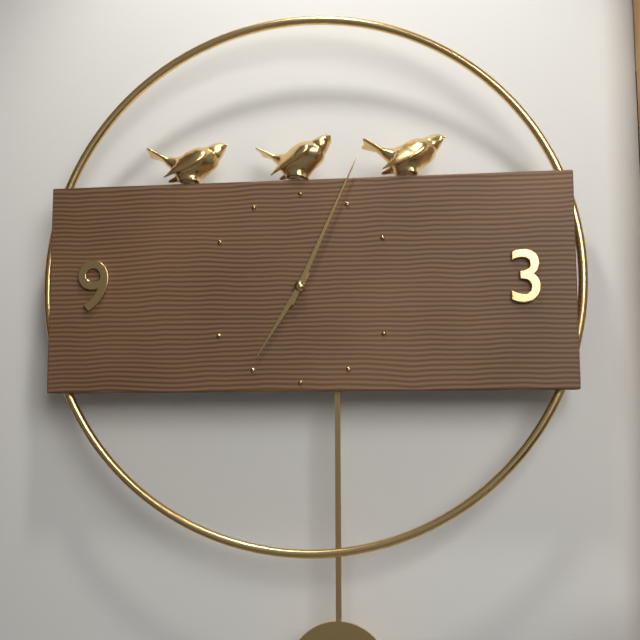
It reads 7:04
